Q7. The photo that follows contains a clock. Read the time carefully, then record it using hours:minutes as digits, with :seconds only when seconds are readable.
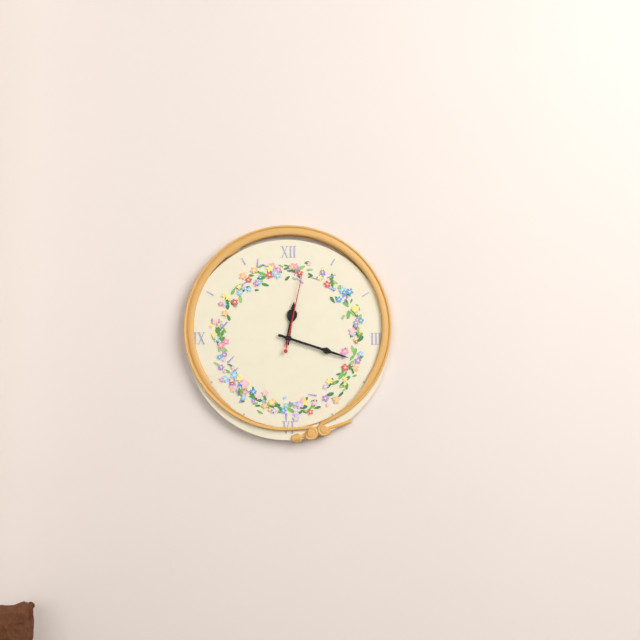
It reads 12:18:02
